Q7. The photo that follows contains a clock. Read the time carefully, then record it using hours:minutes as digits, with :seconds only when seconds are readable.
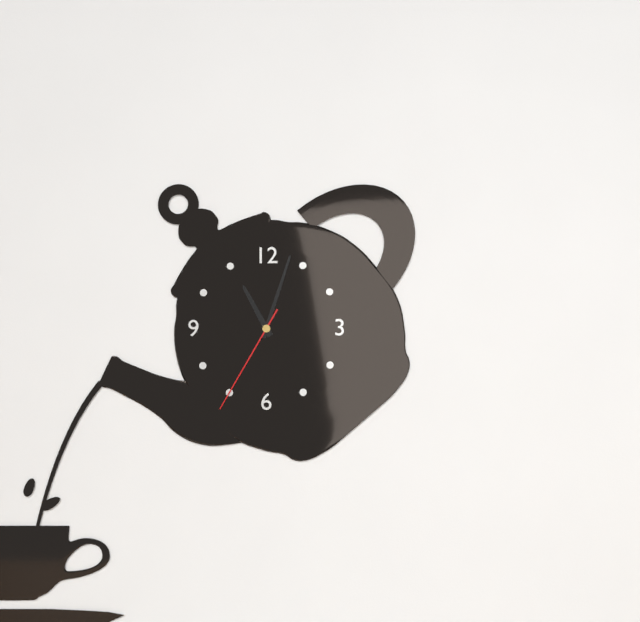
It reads 11:03:35
